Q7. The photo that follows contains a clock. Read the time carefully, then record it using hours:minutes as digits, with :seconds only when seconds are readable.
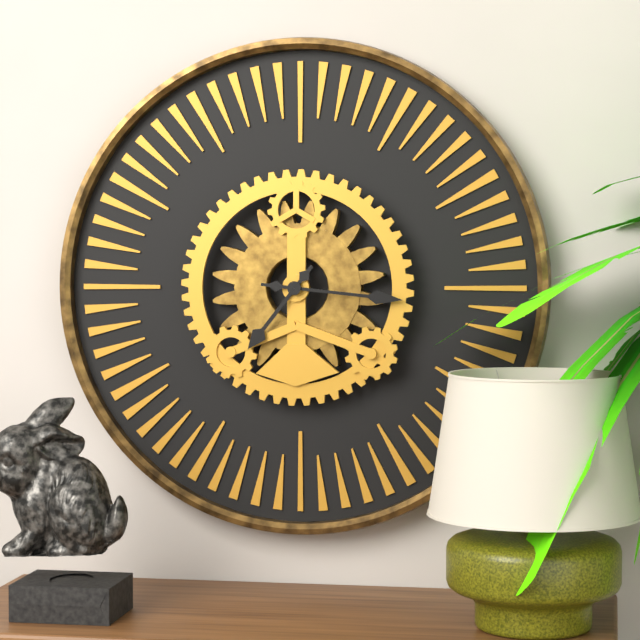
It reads 7:16
